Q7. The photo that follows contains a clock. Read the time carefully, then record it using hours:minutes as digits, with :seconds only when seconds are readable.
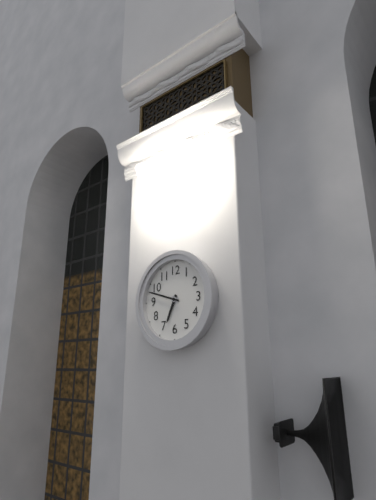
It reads 6:48
